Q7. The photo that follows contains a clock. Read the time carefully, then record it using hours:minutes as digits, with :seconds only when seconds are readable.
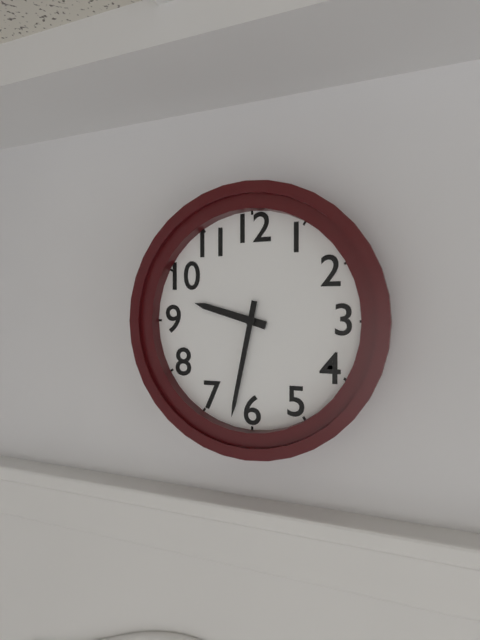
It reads 9:32
